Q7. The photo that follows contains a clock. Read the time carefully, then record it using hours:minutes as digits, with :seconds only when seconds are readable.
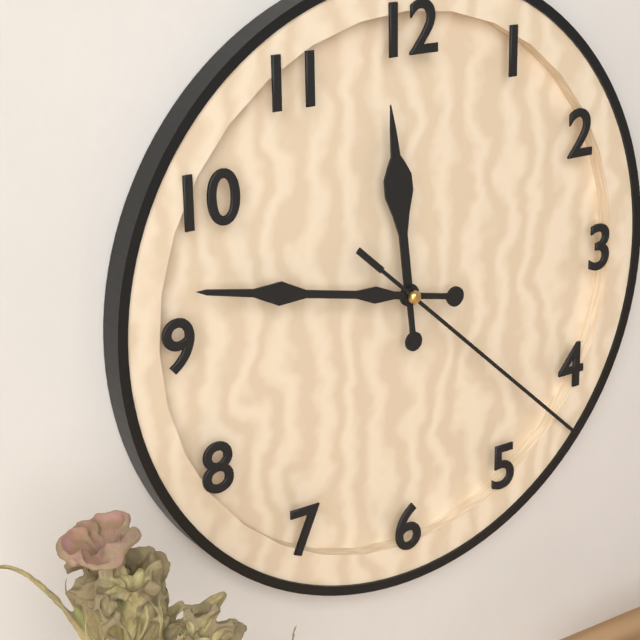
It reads 11:47:22
